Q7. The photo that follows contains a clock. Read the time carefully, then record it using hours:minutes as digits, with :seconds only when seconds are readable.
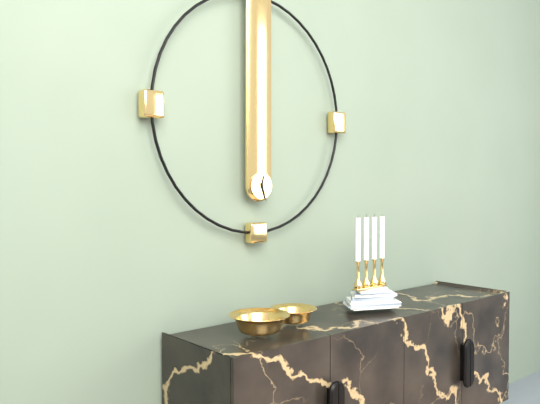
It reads 12:27
